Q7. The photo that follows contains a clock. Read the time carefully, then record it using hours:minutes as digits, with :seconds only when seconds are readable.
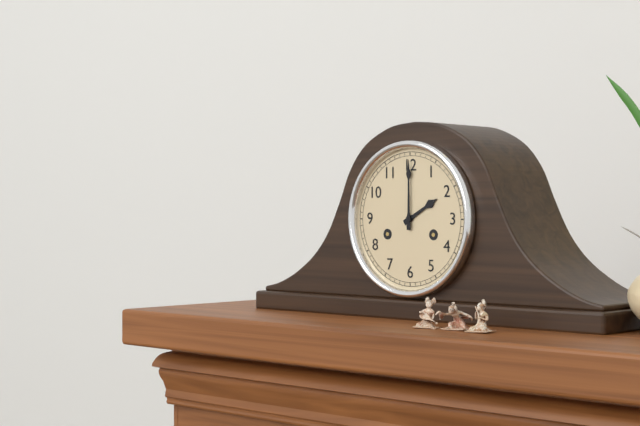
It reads 2:00
